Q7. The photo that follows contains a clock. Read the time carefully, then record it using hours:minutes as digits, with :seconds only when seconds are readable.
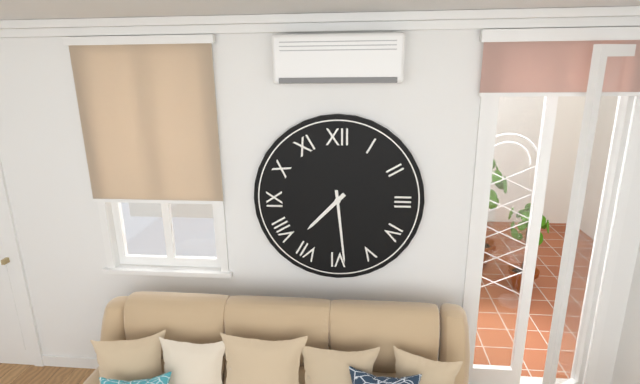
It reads 7:29
